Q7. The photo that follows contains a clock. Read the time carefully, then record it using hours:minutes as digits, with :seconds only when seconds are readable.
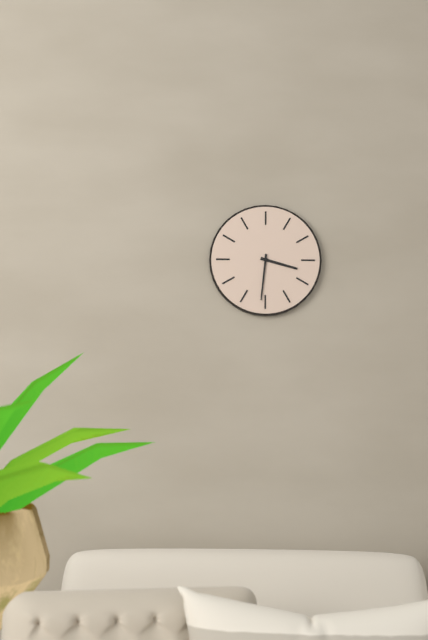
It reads 3:31
